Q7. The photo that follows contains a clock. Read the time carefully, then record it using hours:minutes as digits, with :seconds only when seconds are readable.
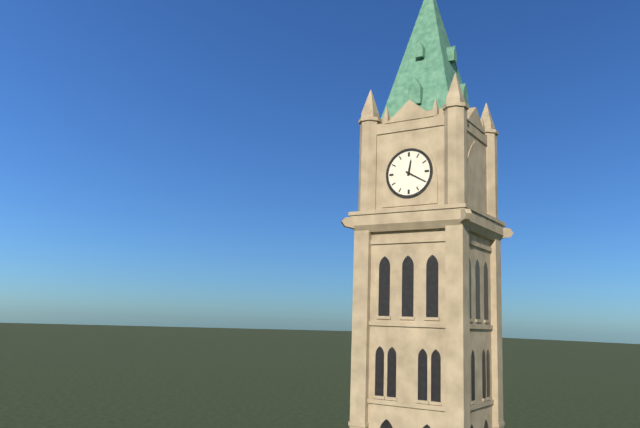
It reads 12:20
